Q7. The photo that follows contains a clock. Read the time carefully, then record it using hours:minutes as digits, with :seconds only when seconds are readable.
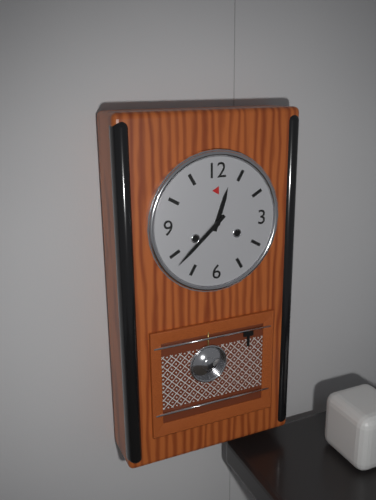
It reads 12:38
